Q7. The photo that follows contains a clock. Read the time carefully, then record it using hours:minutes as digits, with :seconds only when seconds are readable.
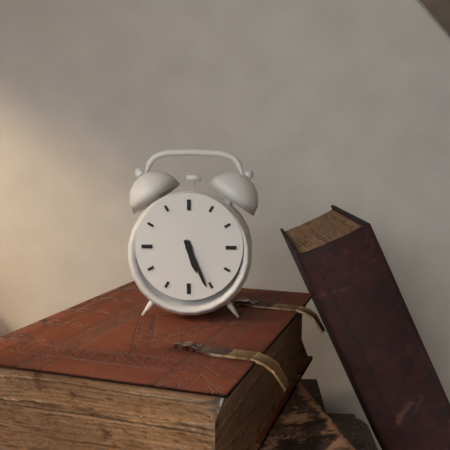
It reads 5:26
